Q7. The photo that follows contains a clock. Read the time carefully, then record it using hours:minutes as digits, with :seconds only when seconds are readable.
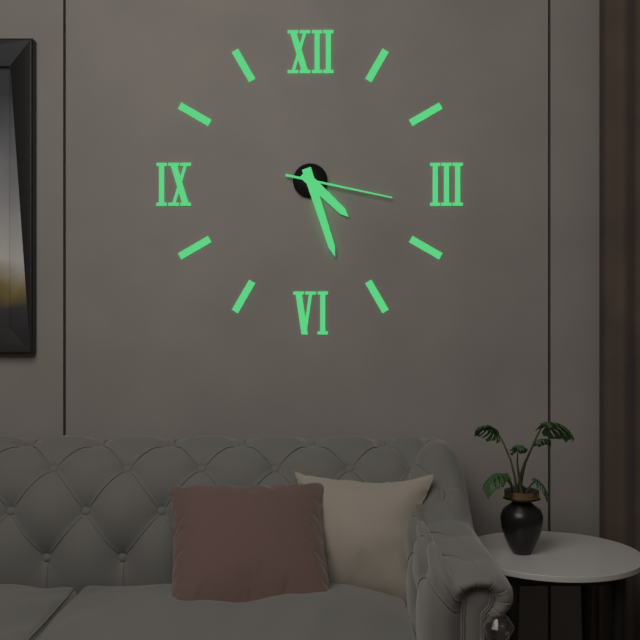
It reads 4:27:17
